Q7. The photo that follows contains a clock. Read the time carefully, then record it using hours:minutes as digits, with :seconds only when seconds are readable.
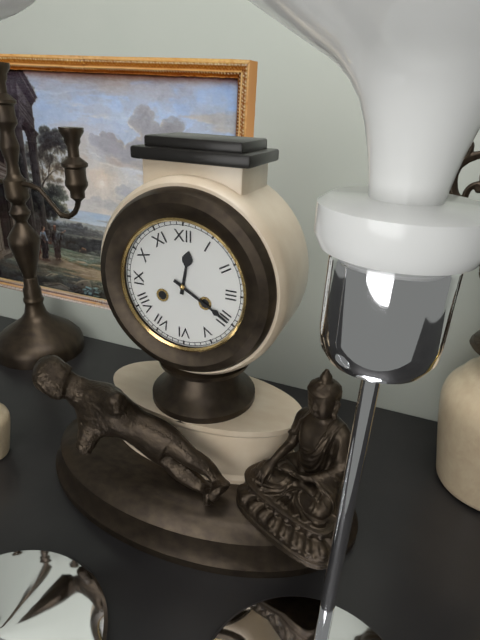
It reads 12:20
